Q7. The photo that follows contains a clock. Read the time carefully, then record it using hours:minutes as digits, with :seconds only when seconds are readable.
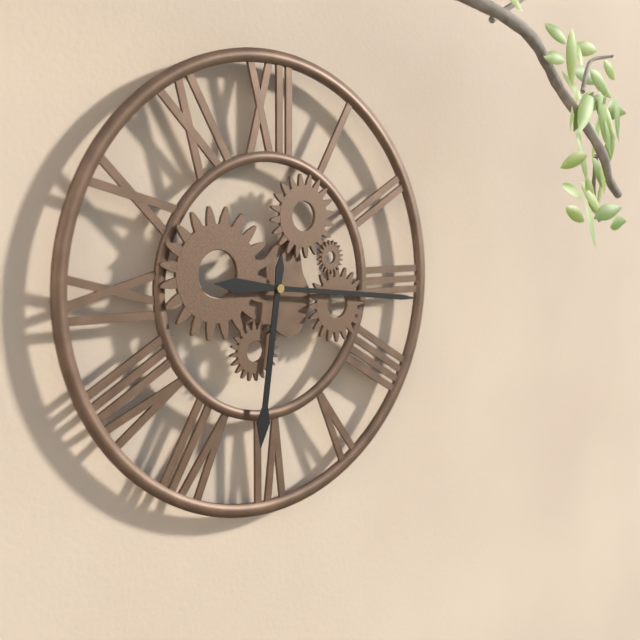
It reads 6:16
